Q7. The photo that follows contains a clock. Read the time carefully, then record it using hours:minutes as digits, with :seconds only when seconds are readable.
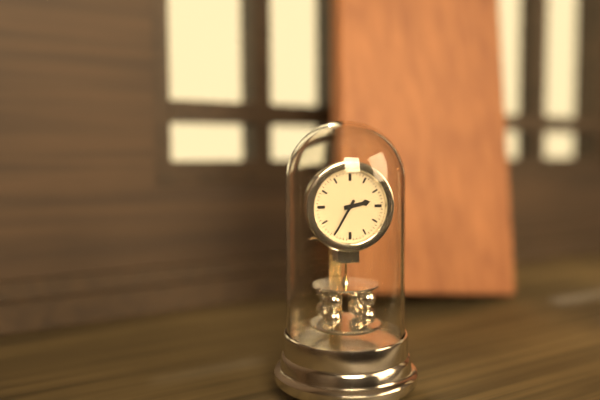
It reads 2:35
